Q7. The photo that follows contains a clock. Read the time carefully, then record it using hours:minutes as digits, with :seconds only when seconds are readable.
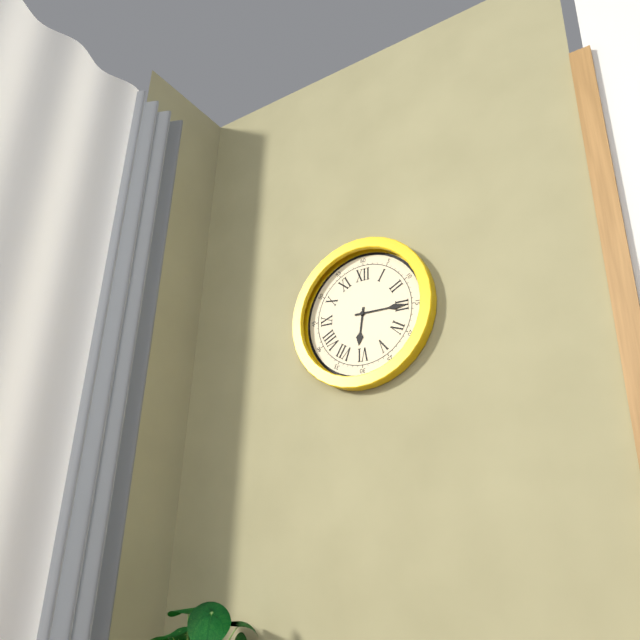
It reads 6:15
